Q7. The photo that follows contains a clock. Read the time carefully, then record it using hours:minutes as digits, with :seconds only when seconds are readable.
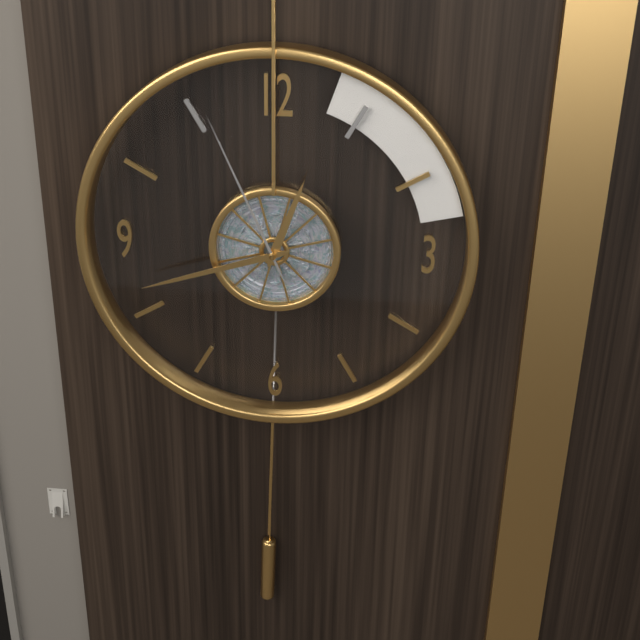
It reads 12:42:56
